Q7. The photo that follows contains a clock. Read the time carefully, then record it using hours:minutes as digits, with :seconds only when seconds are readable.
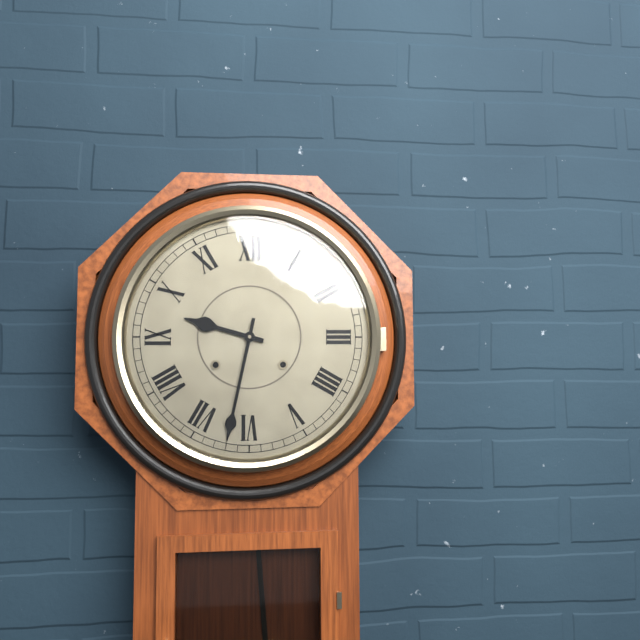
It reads 9:32
